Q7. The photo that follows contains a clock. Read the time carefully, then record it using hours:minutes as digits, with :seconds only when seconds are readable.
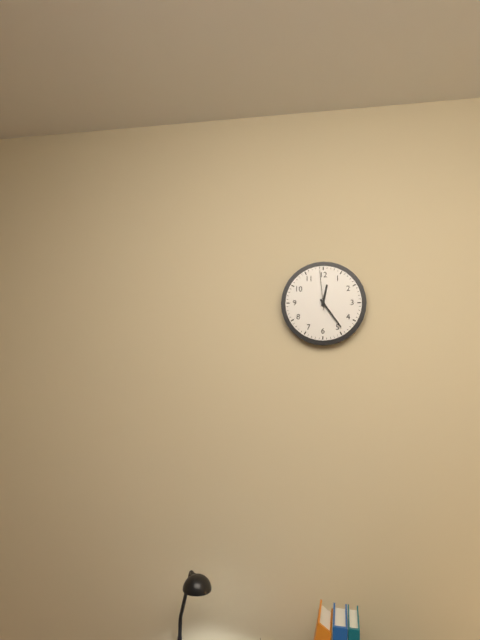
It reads 12:24
